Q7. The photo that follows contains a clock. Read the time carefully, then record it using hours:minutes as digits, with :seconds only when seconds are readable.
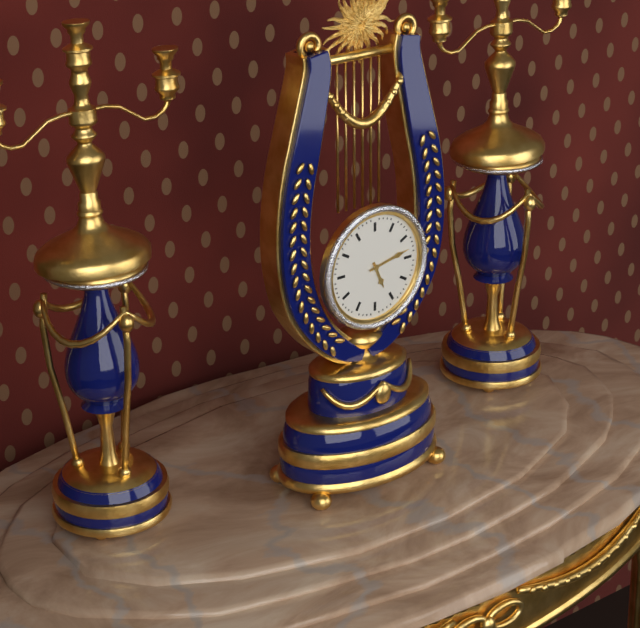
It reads 5:13
